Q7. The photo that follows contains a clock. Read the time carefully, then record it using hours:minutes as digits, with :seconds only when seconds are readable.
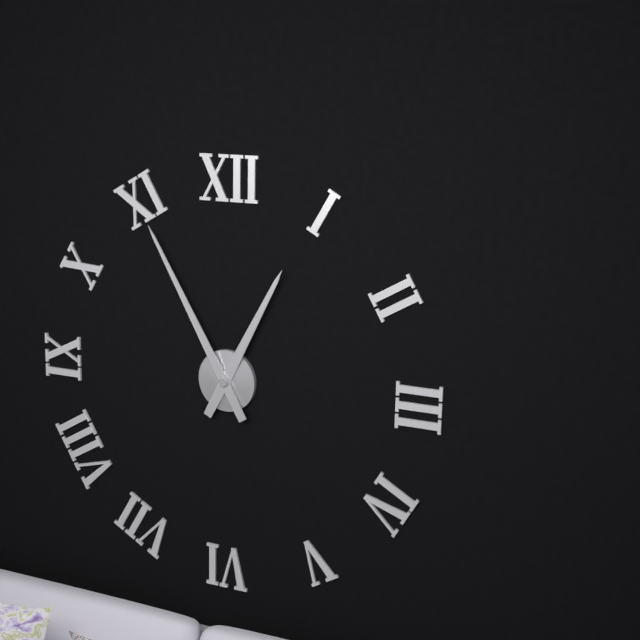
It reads 12:55
